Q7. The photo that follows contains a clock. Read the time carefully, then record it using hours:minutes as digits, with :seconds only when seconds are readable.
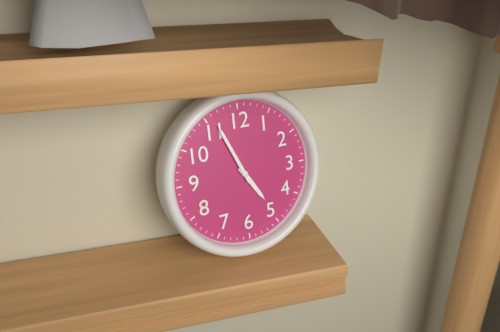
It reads 4:56
